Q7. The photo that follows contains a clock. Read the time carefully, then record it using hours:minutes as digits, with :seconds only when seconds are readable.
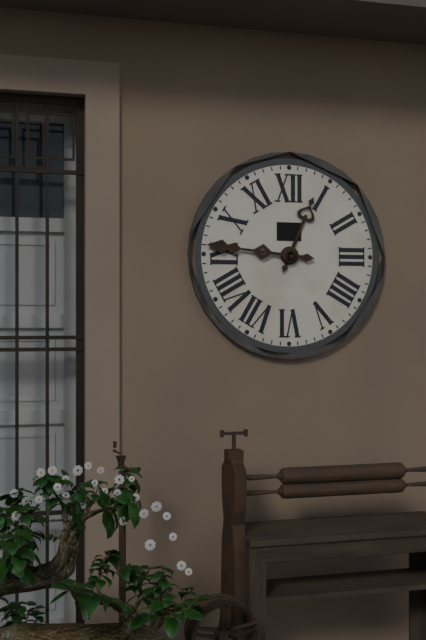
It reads 12:46
